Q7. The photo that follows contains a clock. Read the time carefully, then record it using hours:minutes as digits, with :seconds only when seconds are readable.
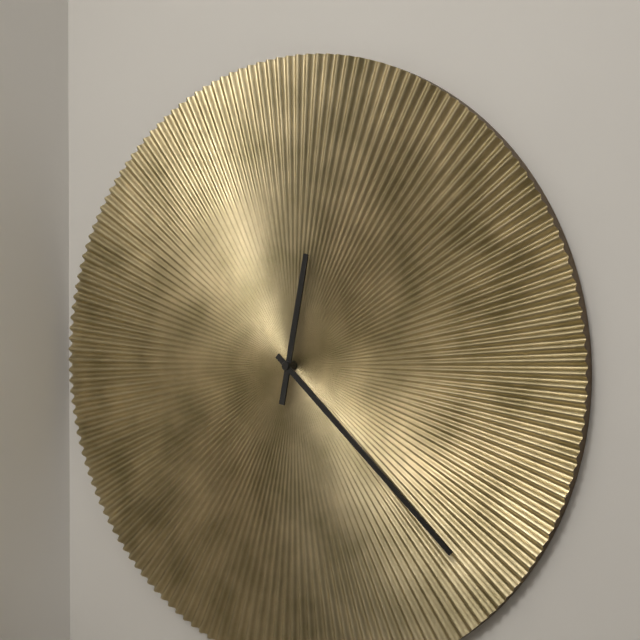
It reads 12:22
